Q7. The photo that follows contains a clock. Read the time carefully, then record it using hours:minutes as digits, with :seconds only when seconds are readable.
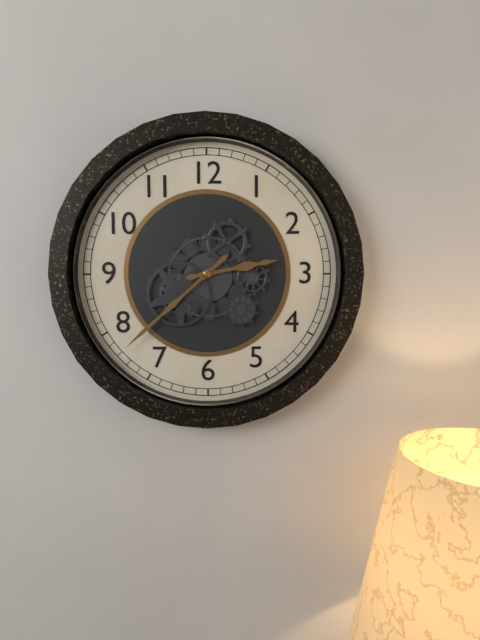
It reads 2:38
